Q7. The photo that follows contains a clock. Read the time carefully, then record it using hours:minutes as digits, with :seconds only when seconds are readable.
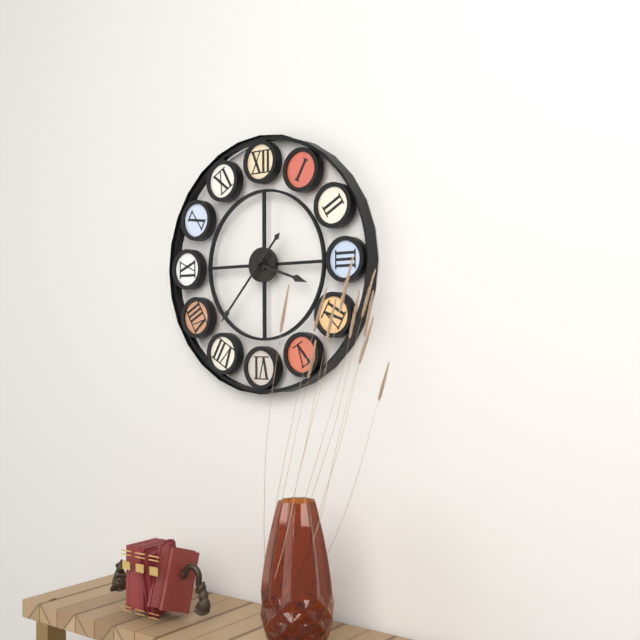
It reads 3:37
